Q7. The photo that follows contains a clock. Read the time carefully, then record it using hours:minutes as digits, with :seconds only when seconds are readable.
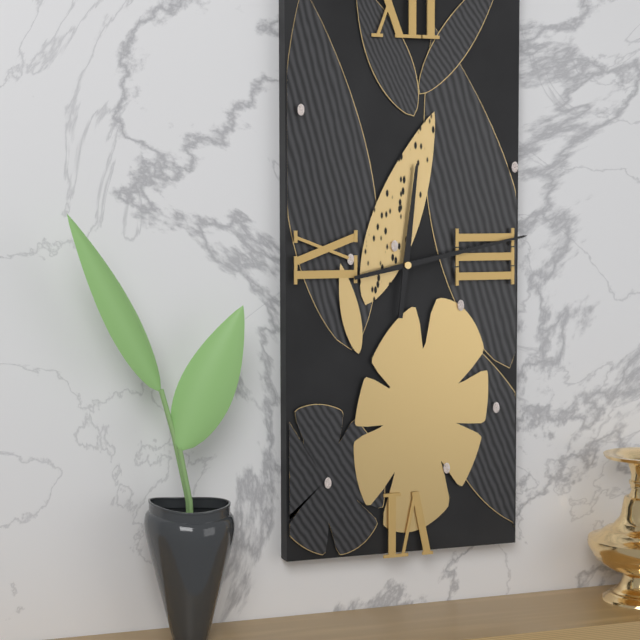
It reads 12:13
